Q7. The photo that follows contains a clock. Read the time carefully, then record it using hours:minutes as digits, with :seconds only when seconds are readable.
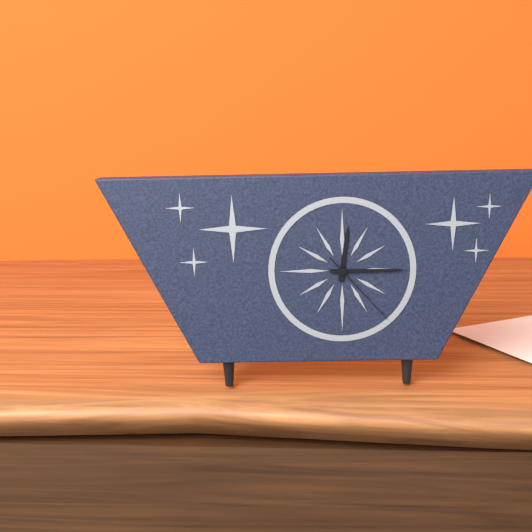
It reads 12:15:23
